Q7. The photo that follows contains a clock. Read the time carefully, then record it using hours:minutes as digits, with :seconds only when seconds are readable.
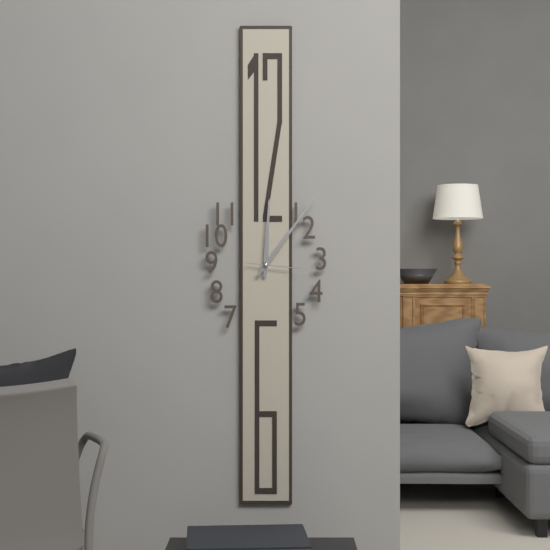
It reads 12:06
